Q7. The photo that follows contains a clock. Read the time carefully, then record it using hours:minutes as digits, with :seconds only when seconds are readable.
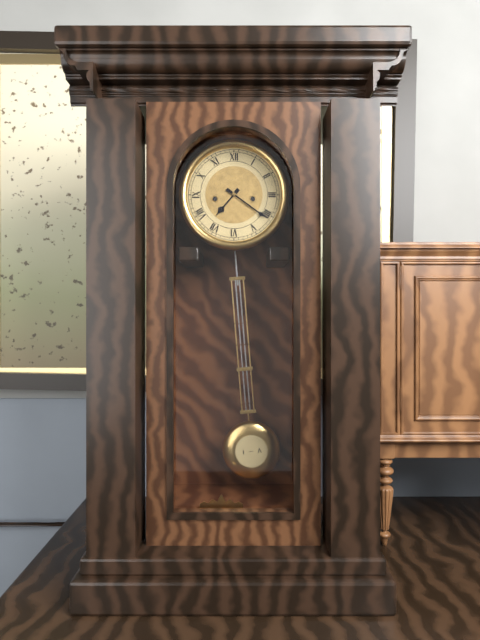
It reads 7:21
